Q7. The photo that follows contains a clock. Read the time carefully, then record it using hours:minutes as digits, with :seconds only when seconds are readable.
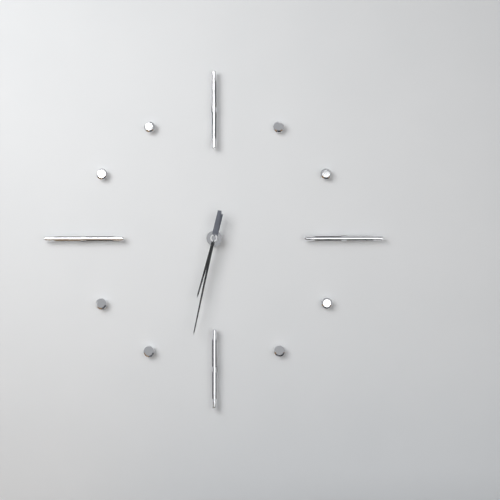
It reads 6:32
